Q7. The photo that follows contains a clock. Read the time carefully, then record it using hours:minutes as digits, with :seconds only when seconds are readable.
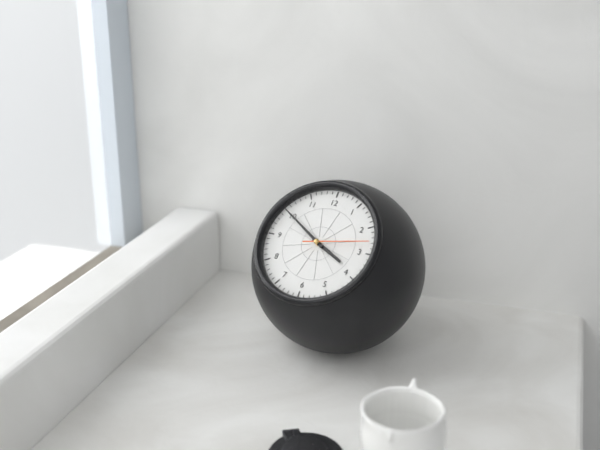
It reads 3:50:13
